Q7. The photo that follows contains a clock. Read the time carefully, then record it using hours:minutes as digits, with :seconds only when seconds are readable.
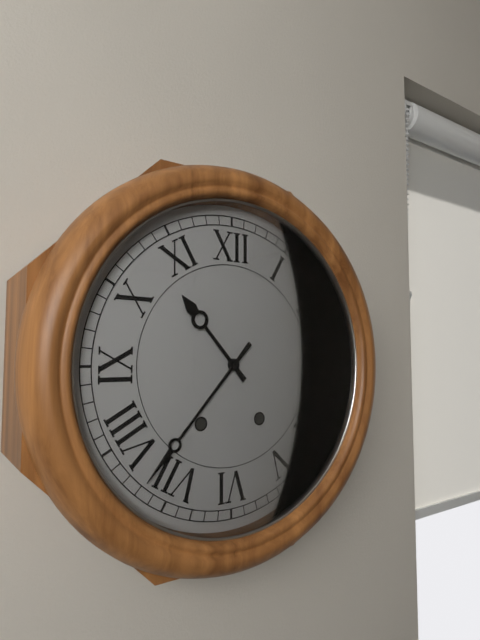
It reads 10:37
